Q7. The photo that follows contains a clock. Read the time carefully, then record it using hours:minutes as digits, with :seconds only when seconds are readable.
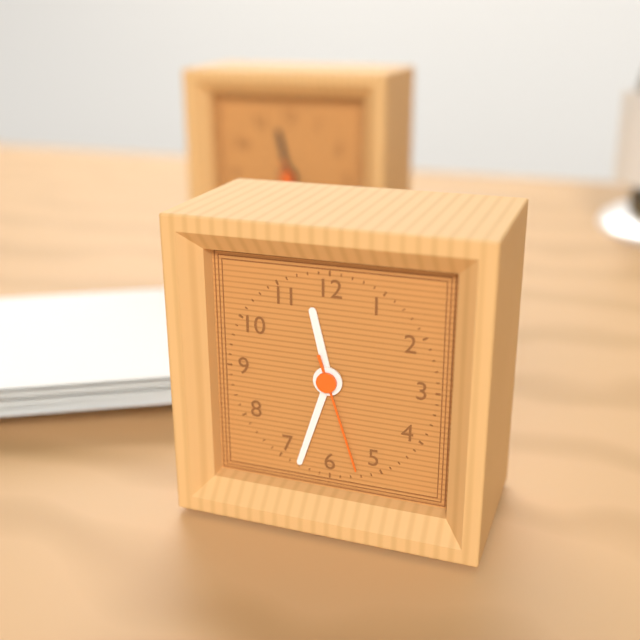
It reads 11:33:27
